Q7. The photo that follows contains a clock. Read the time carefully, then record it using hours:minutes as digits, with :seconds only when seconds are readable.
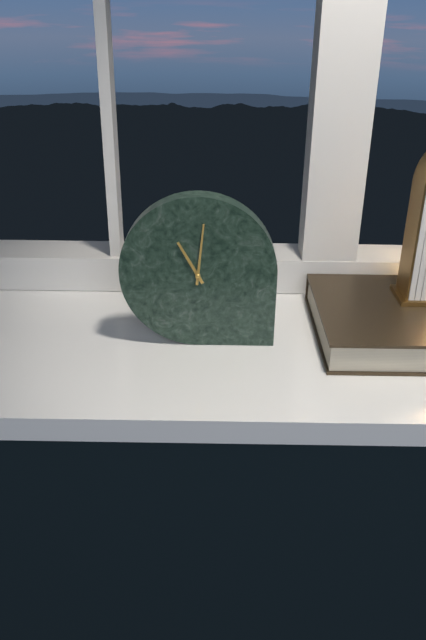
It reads 11:01
